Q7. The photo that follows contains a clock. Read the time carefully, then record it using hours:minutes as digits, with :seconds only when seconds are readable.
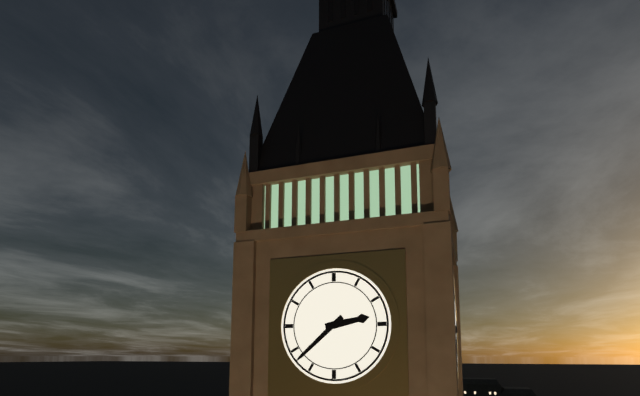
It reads 2:38
